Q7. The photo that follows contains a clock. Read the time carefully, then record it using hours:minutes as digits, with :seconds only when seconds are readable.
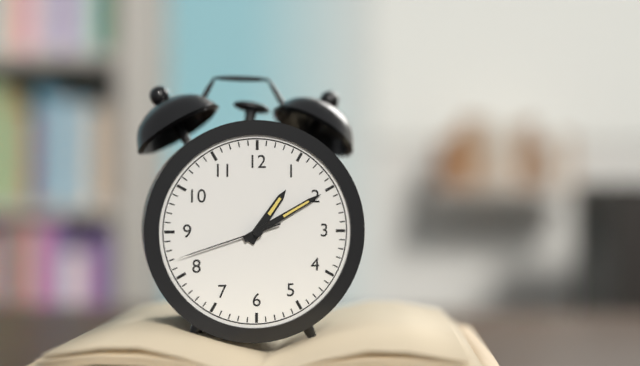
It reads 1:10:42
